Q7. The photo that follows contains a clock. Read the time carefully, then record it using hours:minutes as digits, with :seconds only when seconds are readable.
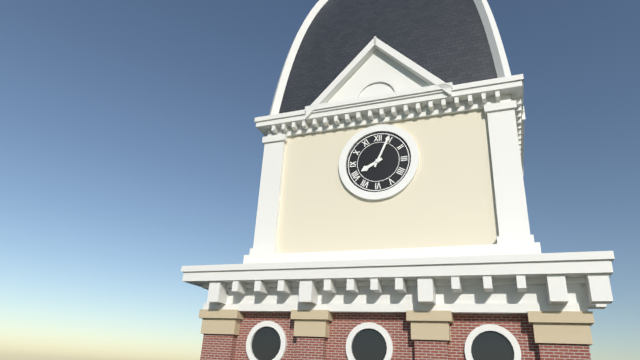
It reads 8:04
